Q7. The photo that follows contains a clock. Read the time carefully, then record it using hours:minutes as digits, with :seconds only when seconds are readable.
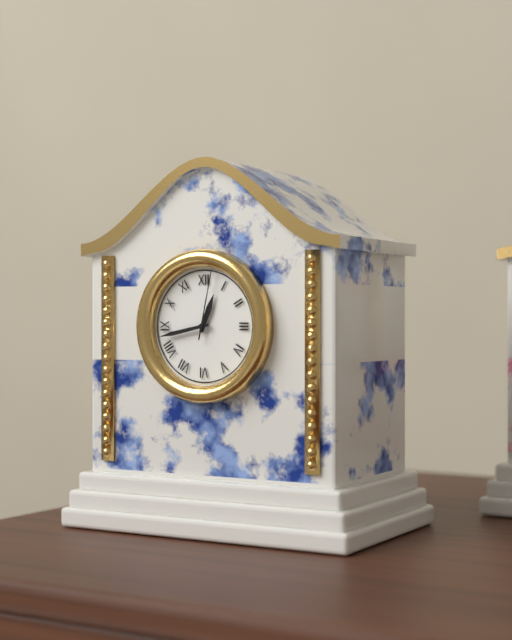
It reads 12:43:02
